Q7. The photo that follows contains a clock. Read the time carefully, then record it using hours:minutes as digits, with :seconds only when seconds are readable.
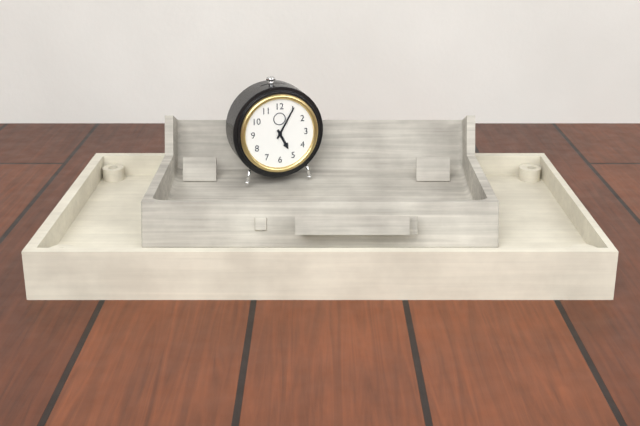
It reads 5:05
